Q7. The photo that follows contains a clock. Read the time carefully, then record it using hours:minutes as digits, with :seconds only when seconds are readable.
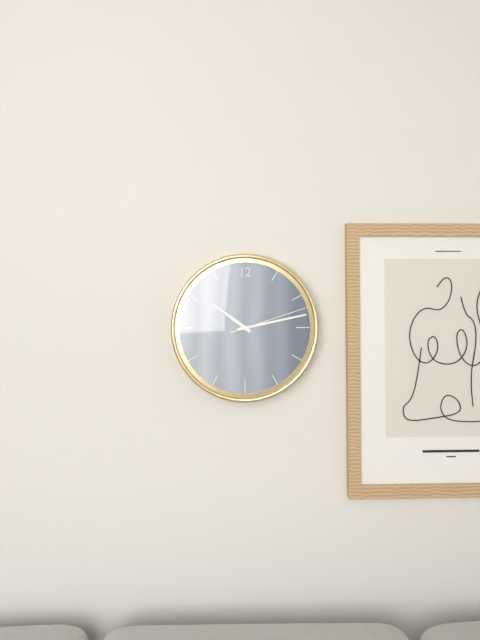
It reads 10:13:12
